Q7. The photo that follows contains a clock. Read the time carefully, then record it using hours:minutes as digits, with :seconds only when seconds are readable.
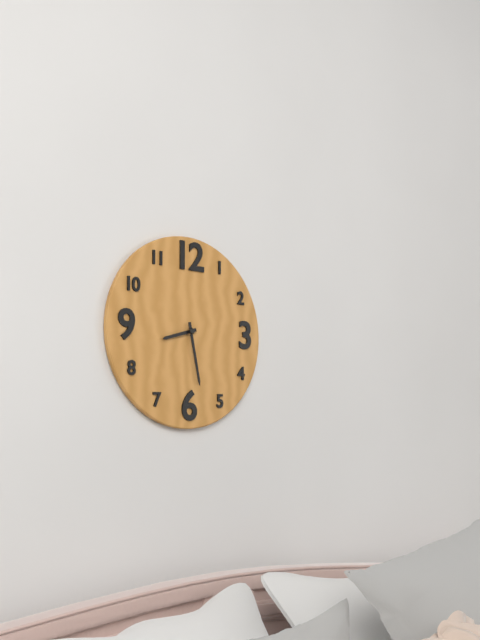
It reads 8:28
